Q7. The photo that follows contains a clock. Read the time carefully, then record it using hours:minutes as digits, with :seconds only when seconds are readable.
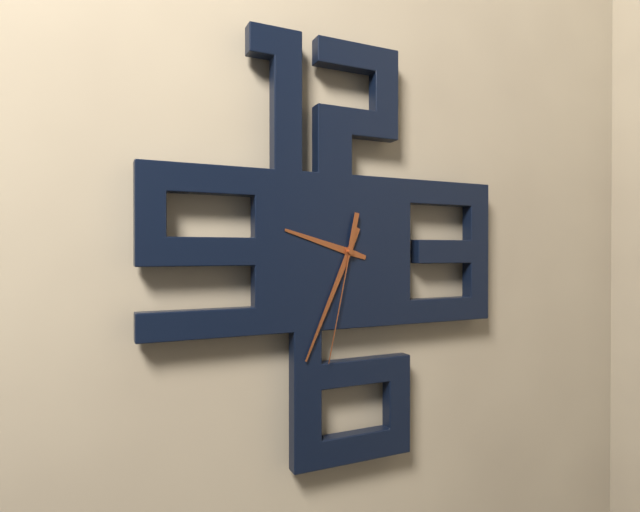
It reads 9:34:32
